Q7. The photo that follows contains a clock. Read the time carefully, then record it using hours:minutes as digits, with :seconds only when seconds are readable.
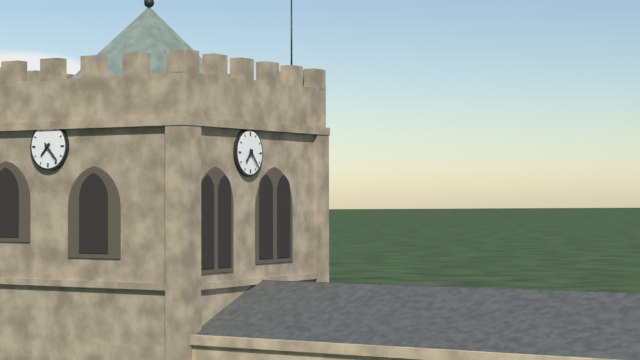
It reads 7:23
